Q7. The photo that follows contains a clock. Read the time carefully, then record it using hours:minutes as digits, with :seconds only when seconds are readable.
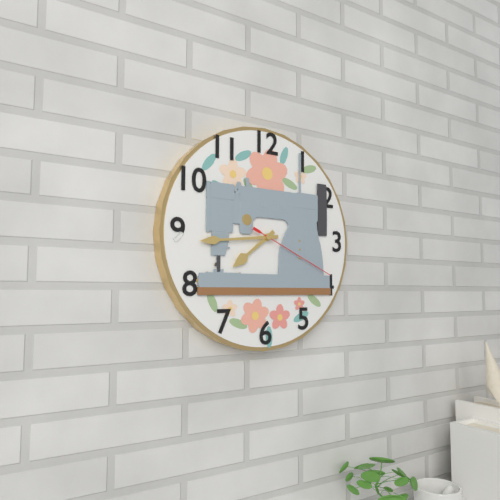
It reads 7:44:19
